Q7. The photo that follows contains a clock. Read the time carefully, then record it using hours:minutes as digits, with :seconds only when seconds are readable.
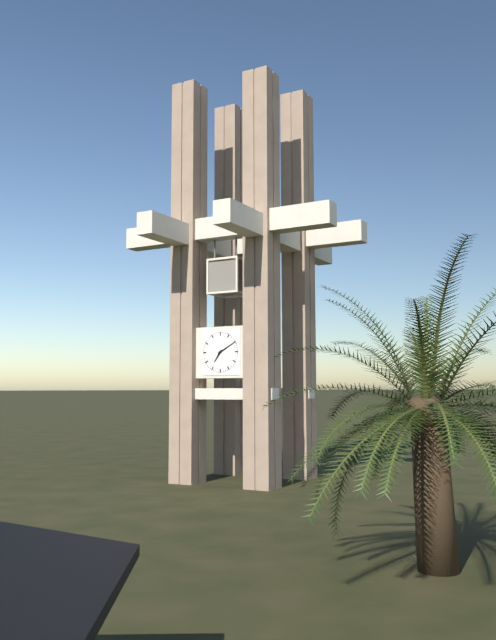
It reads 7:10
